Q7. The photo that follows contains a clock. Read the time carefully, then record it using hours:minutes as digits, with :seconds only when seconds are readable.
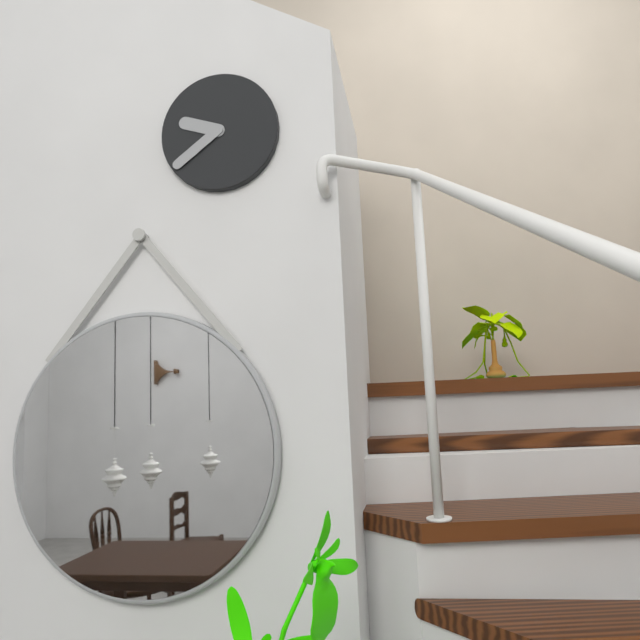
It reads 9:39
